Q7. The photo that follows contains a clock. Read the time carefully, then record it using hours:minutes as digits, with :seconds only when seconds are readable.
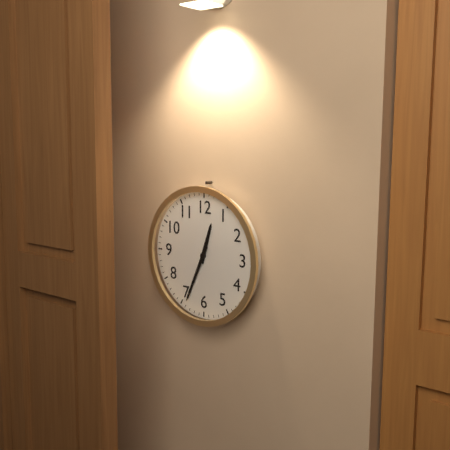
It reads 12:34
